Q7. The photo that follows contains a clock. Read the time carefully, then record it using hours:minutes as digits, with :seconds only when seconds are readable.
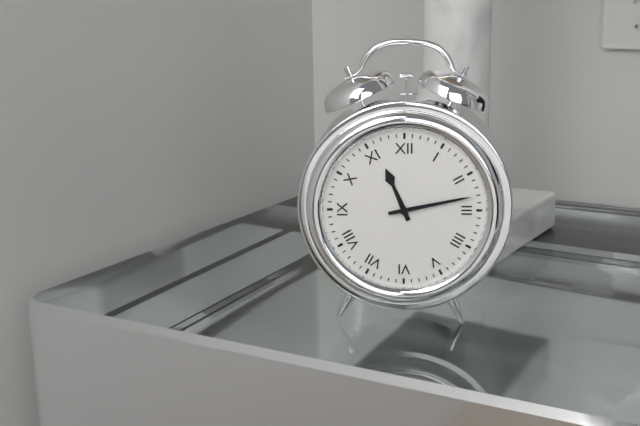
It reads 11:13
